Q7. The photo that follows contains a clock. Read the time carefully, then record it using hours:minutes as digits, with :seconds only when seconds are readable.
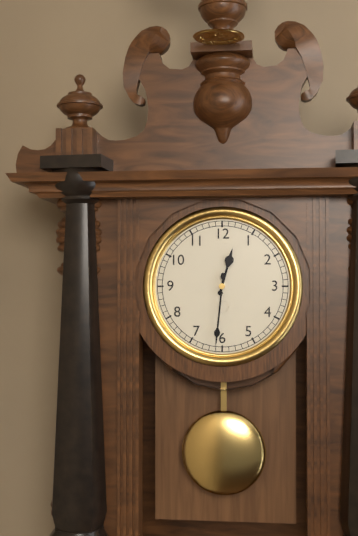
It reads 12:31
